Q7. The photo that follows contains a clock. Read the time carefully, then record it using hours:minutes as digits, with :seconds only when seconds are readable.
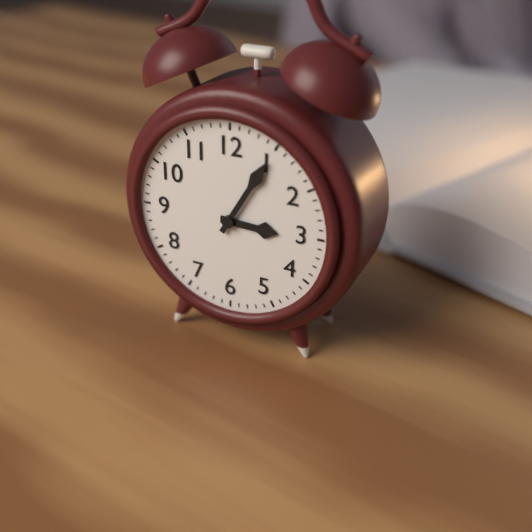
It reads 3:05
